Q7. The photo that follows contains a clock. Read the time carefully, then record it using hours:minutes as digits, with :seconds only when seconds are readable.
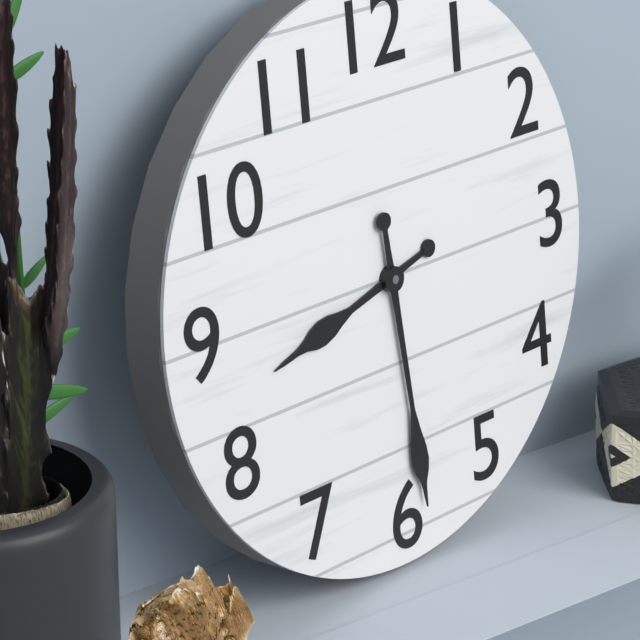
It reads 8:29
